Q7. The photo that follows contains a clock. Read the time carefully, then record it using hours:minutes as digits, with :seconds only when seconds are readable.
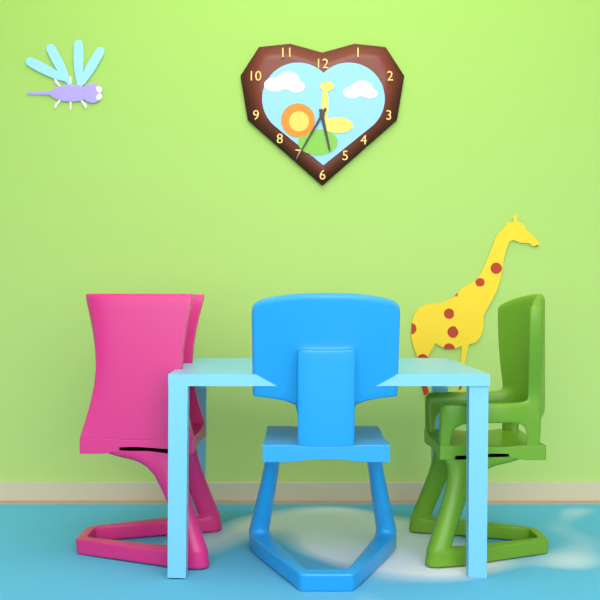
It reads 5:35
